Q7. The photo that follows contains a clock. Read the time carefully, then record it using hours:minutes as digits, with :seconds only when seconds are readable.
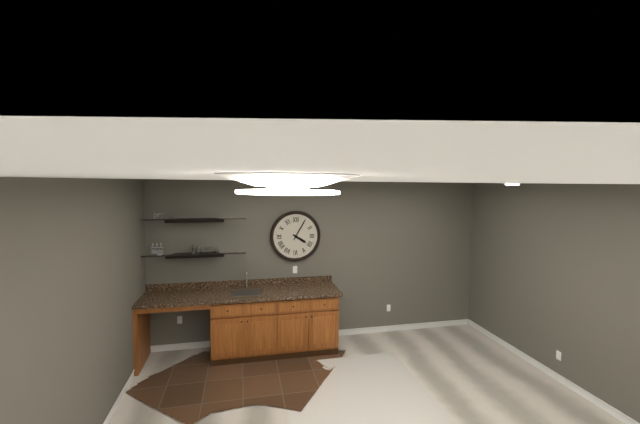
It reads 4:05
